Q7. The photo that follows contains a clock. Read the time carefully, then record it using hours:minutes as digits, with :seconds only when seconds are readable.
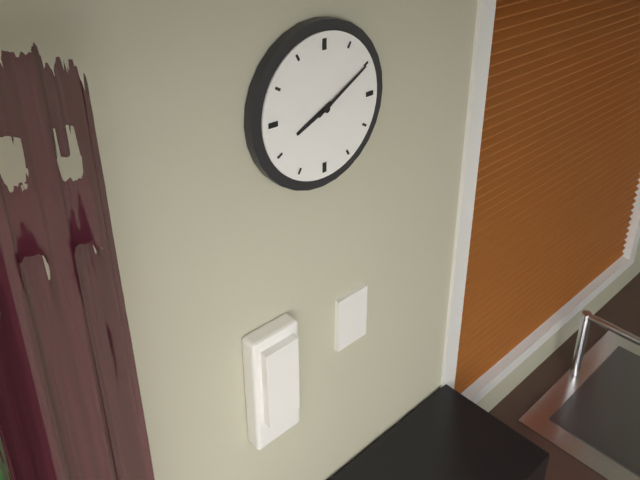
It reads 8:10
